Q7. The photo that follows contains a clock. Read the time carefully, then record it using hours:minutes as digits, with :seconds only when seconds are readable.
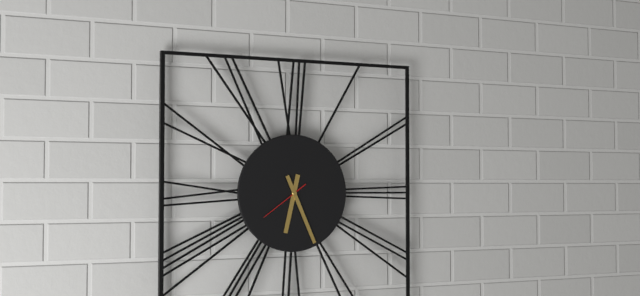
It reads 6:26
